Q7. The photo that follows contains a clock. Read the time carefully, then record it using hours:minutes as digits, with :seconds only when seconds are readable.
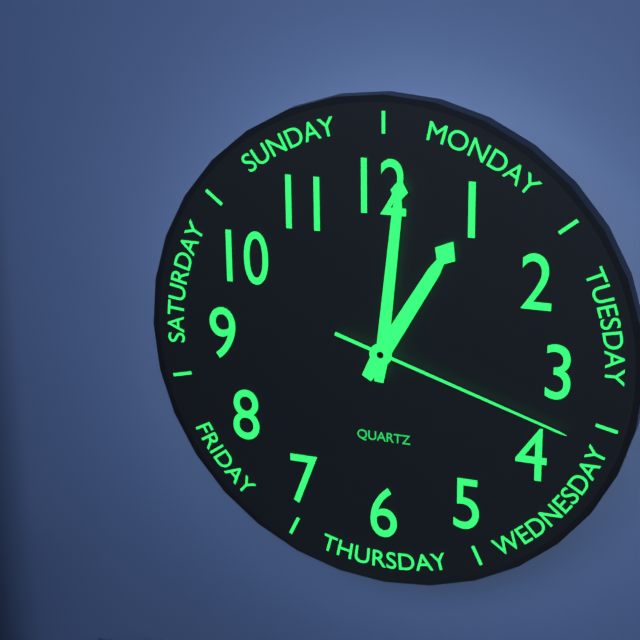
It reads 1:01:18
